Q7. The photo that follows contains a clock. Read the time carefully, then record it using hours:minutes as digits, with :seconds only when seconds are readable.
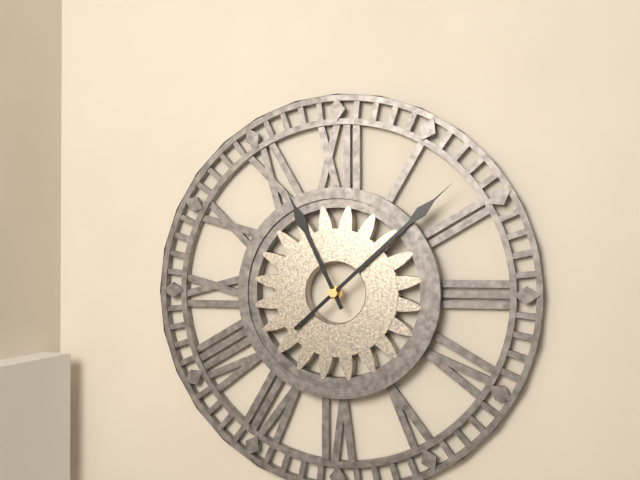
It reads 11:08
